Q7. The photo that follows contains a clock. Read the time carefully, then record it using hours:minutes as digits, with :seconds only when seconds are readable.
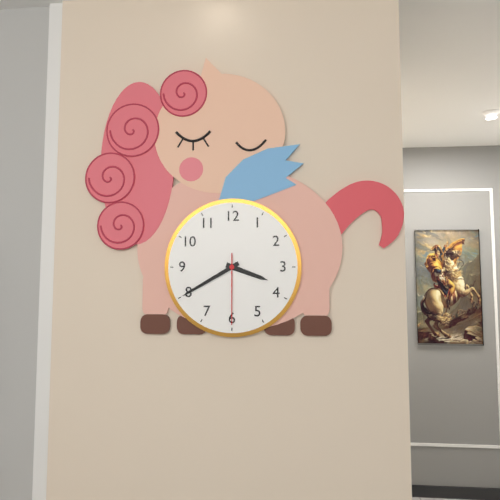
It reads 3:40:30
